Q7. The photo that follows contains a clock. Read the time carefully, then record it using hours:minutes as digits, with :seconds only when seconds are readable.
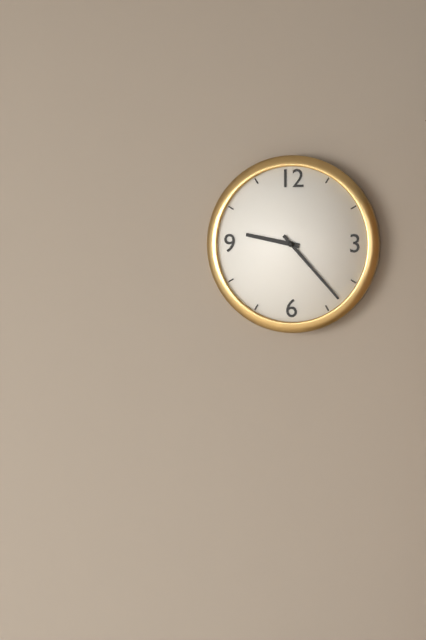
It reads 9:23
